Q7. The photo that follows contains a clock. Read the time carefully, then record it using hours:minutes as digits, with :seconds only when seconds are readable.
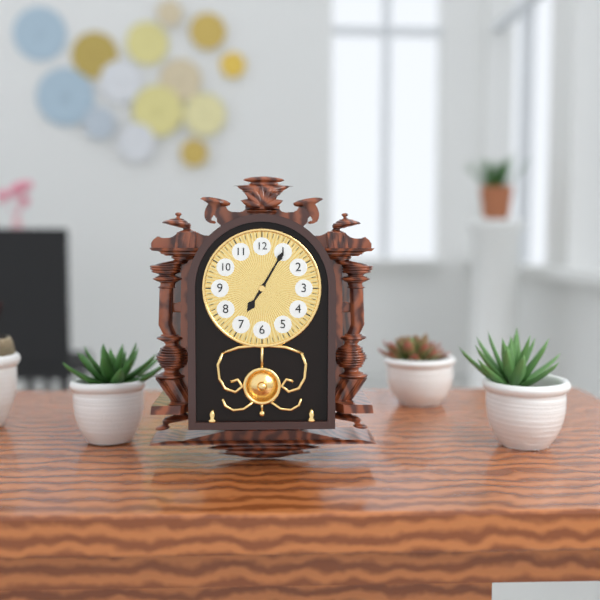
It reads 7:05
